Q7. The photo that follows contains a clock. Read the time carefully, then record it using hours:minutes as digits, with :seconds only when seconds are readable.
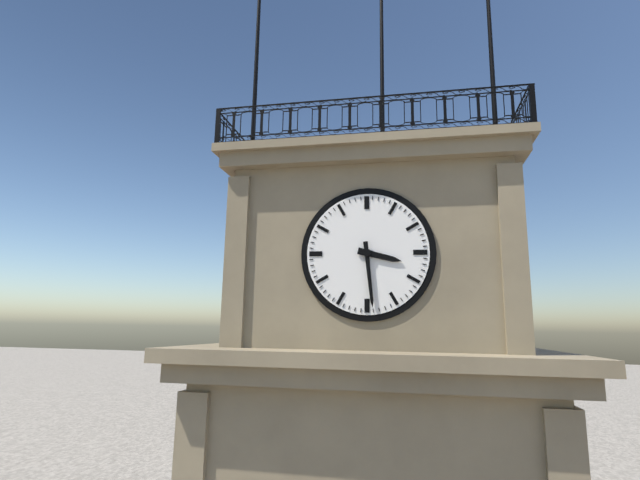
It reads 3:29
